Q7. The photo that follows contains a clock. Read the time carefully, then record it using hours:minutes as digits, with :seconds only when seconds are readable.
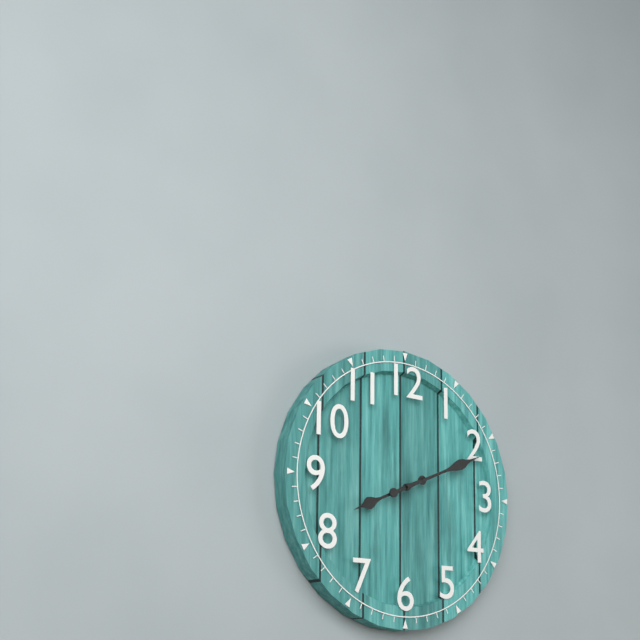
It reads 8:11
